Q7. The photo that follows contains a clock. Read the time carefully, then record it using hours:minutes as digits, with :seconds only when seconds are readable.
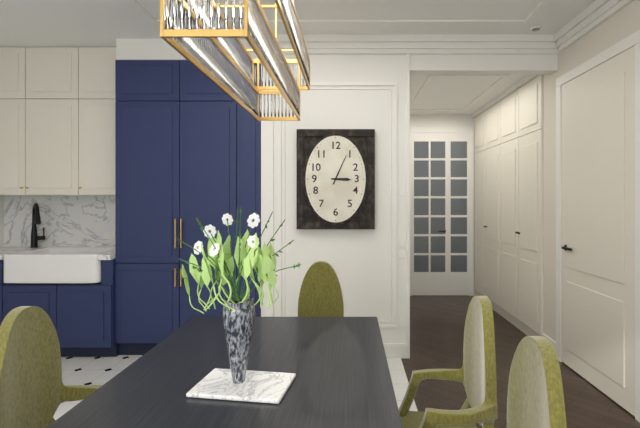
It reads 3:04
